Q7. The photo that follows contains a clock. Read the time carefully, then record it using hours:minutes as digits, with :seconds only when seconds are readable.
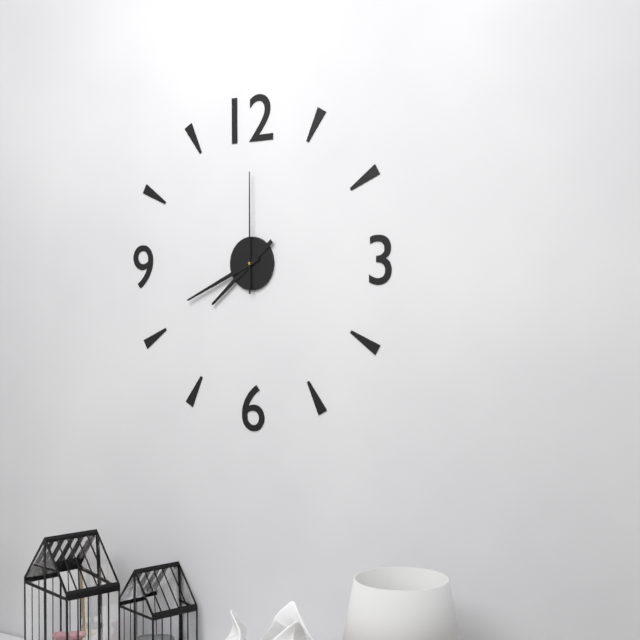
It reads 7:41:00
